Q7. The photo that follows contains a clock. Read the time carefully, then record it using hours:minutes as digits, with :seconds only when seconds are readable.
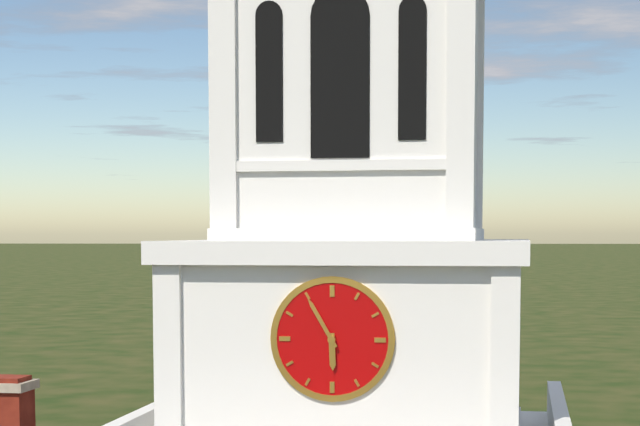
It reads 5:55
